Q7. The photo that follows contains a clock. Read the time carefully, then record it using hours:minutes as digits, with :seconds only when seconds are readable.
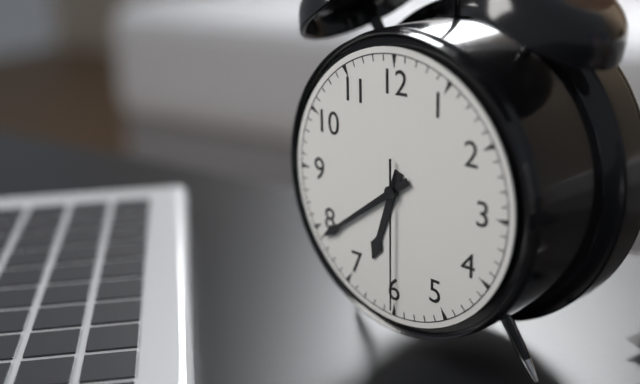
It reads 6:39:30
